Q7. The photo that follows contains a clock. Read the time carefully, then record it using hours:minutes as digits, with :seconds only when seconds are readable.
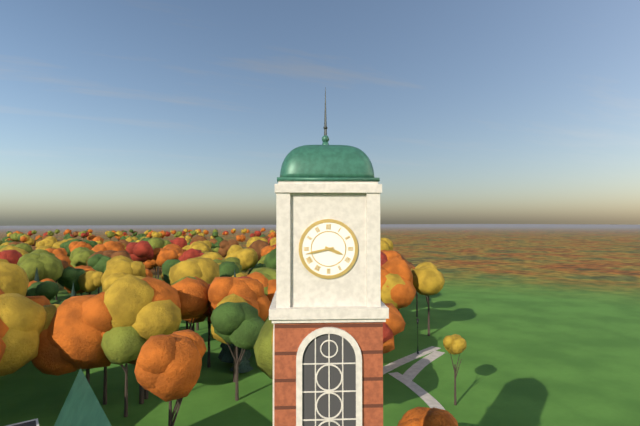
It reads 3:43
